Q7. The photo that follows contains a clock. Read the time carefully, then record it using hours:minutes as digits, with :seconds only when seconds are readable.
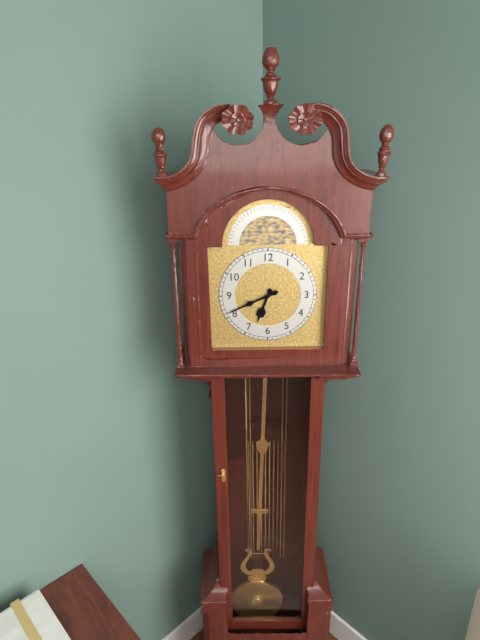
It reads 6:41
